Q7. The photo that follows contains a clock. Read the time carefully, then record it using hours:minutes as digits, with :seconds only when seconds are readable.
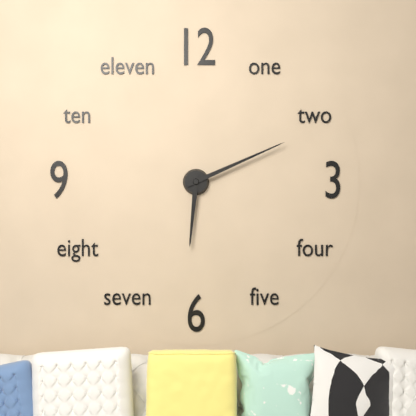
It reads 6:11
